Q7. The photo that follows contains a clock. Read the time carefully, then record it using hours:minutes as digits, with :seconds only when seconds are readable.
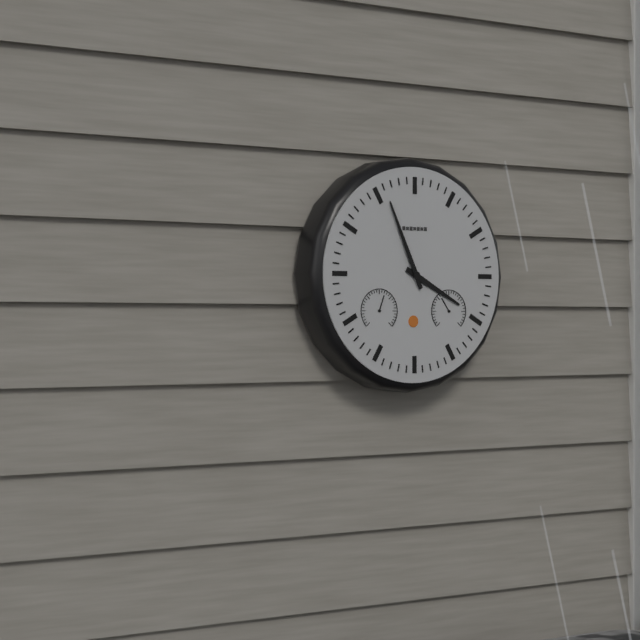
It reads 3:56
